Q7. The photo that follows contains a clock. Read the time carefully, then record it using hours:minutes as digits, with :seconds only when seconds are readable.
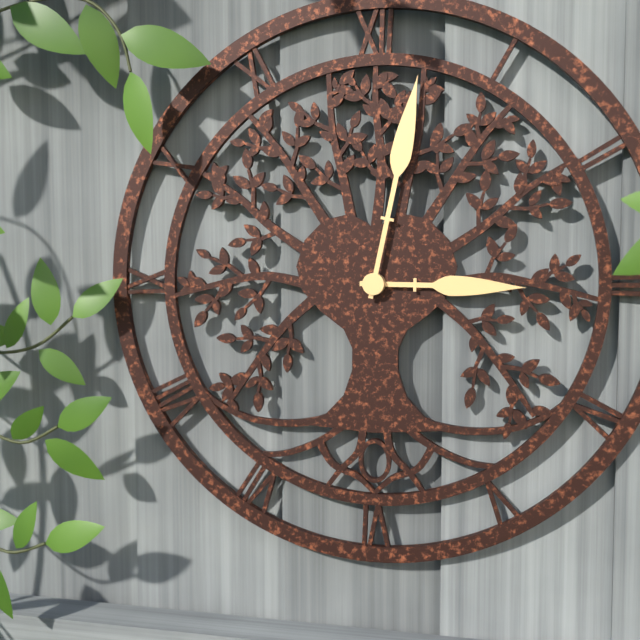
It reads 3:02
